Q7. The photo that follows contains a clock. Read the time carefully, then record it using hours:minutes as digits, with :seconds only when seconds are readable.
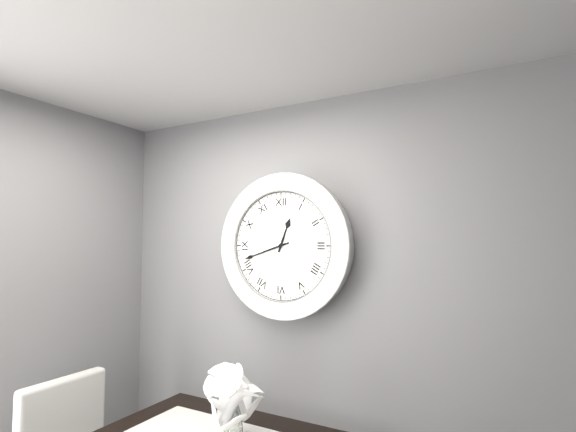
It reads 12:42
